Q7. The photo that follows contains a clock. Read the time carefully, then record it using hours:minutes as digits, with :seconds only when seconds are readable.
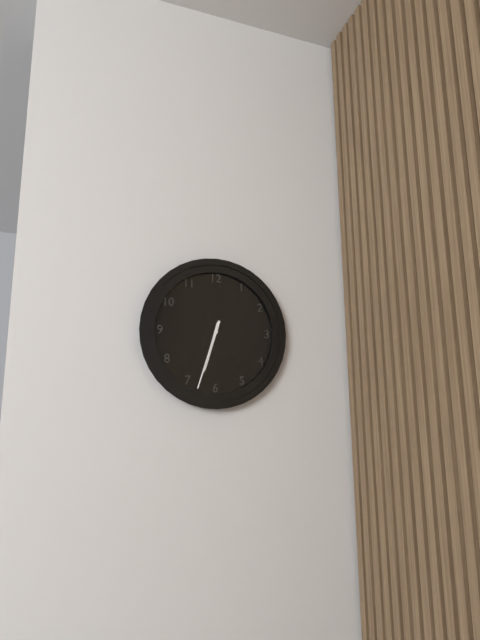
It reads 6:33
